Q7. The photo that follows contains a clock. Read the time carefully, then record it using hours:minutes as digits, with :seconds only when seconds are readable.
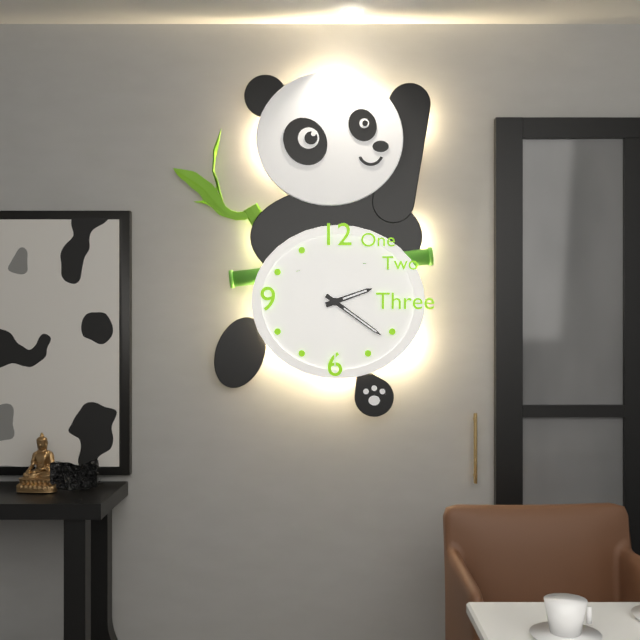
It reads 2:21:30
